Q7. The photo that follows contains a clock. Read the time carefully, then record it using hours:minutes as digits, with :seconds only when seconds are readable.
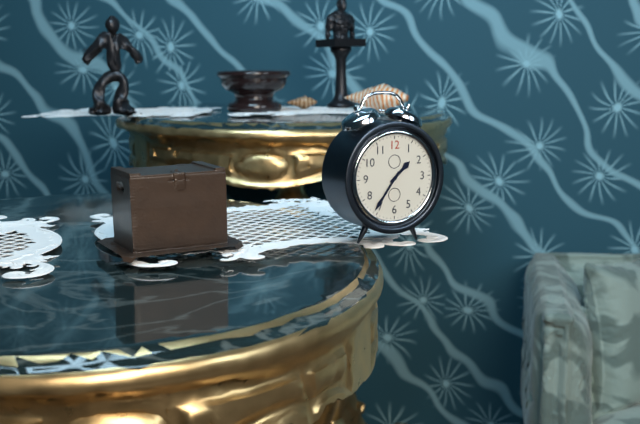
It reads 1:36
